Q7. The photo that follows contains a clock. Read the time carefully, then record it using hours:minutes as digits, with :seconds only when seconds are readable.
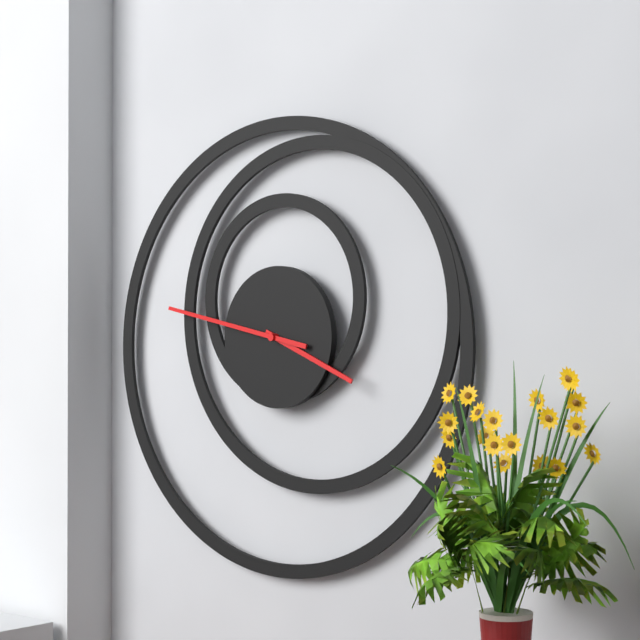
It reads 3:47
